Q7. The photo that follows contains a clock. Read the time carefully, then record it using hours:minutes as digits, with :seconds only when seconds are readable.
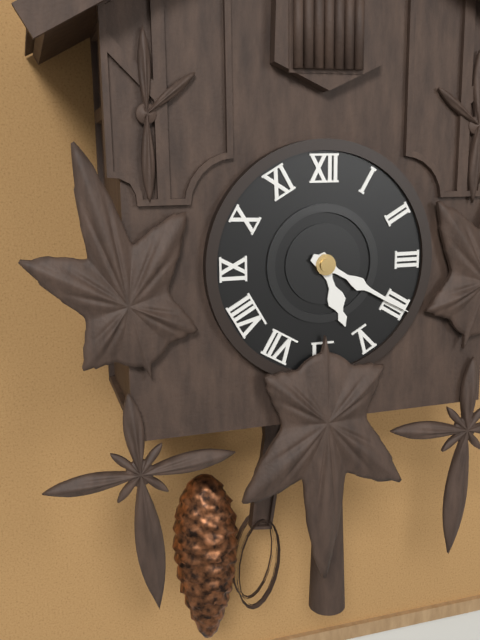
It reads 5:20
